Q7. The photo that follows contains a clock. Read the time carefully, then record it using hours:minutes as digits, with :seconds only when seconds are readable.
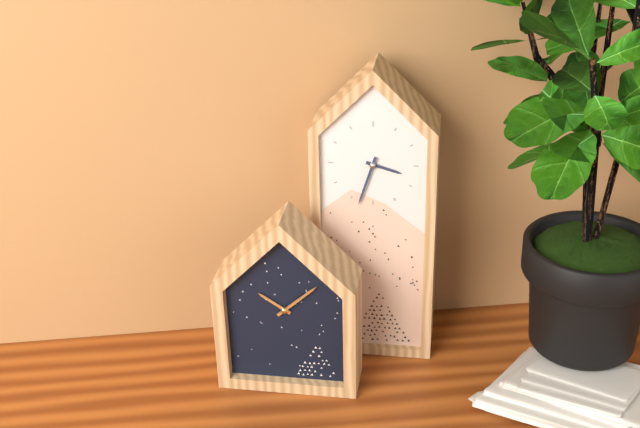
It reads 3:33
